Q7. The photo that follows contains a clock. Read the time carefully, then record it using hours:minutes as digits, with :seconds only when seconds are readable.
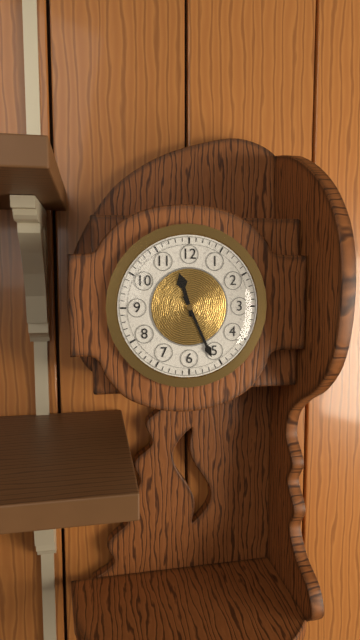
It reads 11:26
